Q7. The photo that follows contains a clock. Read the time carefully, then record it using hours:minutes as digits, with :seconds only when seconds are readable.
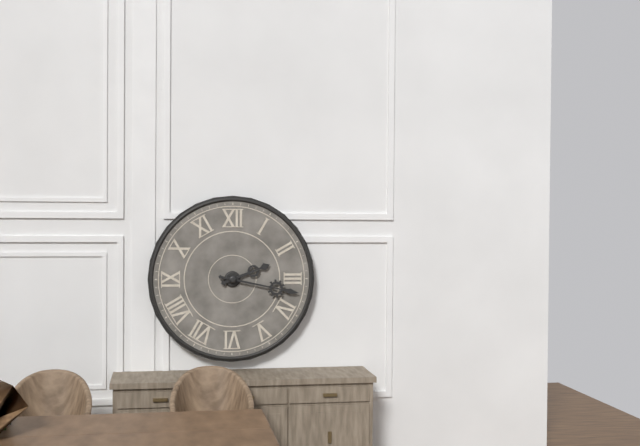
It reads 2:17
